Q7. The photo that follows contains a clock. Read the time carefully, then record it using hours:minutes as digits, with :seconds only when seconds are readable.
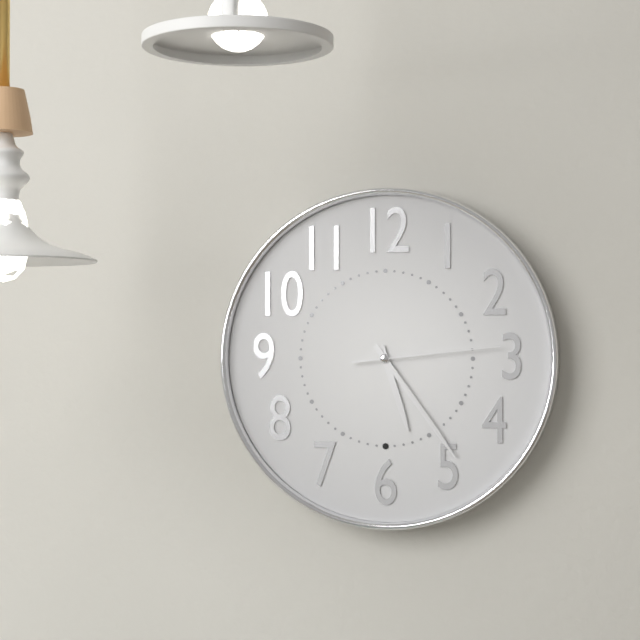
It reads 5:24:14
